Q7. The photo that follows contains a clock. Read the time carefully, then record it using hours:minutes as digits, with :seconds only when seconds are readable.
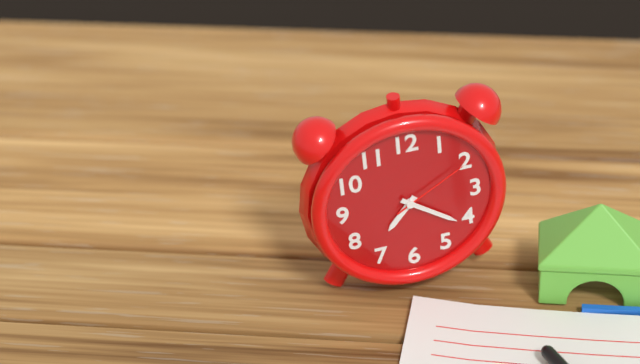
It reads 7:21:10
